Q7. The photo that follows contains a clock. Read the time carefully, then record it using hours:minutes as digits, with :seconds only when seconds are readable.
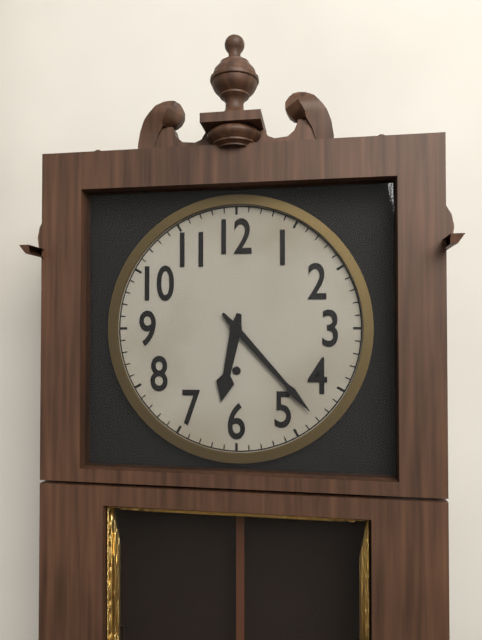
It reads 6:23
